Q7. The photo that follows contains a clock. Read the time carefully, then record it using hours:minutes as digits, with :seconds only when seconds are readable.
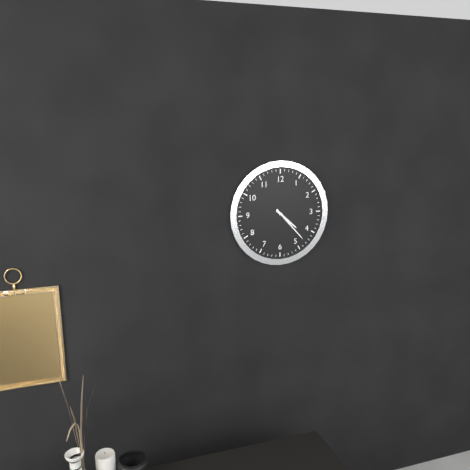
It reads 4:23
